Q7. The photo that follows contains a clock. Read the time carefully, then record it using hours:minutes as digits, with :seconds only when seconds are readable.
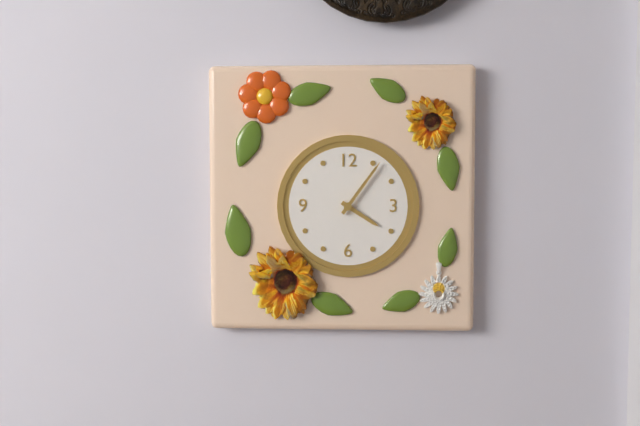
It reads 4:06
